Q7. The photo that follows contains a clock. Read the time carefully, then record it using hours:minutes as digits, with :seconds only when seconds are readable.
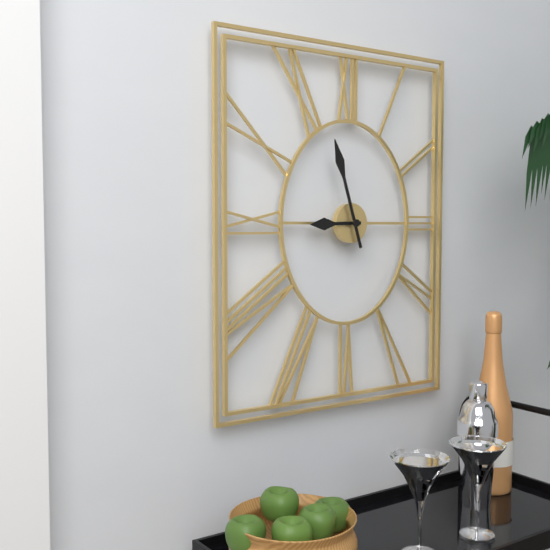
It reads 8:57
